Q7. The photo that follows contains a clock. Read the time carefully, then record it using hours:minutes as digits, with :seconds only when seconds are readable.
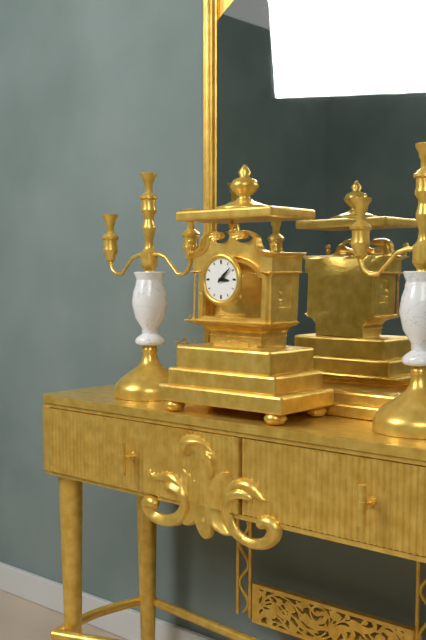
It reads 3:08
